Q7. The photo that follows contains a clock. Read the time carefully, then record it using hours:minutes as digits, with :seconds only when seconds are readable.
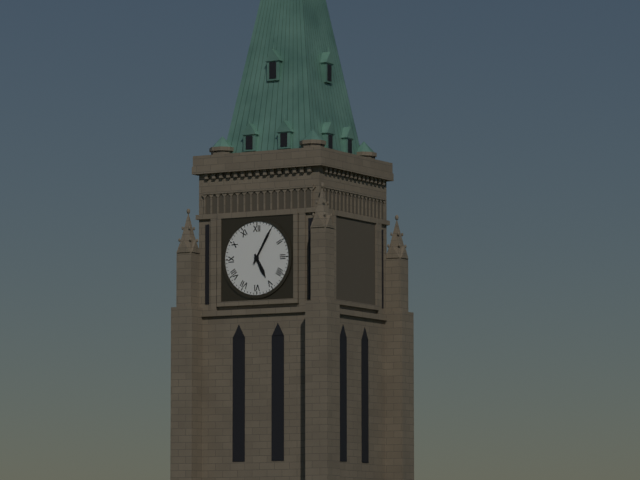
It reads 5:05
